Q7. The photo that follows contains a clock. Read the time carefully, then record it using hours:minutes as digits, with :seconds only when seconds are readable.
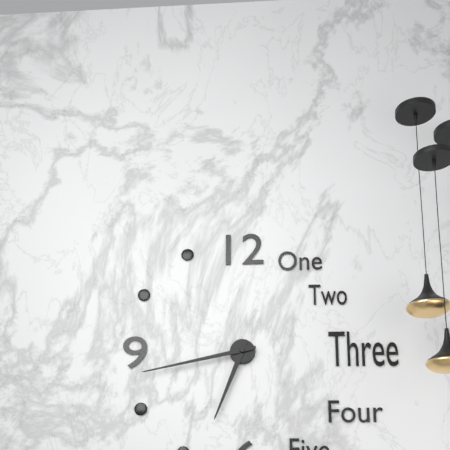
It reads 6:43
